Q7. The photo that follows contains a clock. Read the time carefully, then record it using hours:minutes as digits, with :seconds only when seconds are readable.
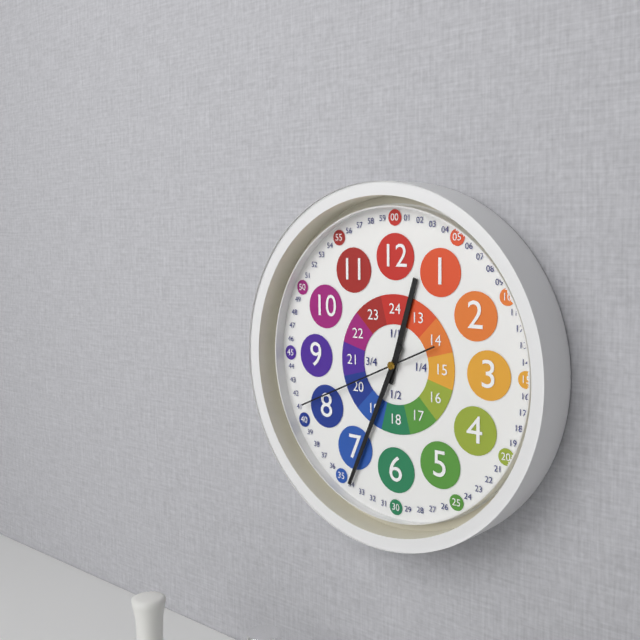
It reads 12:34:41
